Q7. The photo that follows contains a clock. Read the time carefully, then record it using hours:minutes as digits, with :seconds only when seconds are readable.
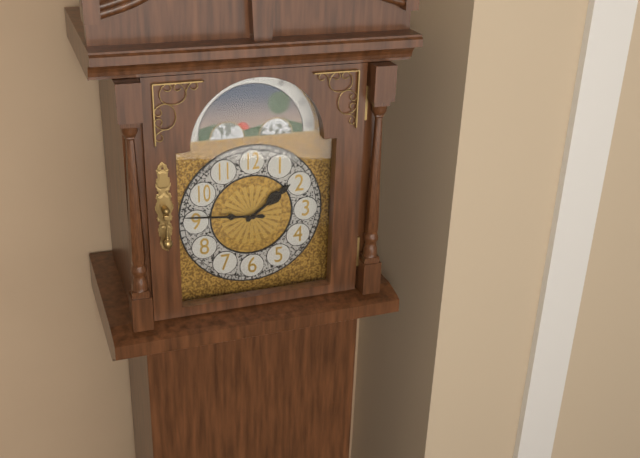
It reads 1:46
